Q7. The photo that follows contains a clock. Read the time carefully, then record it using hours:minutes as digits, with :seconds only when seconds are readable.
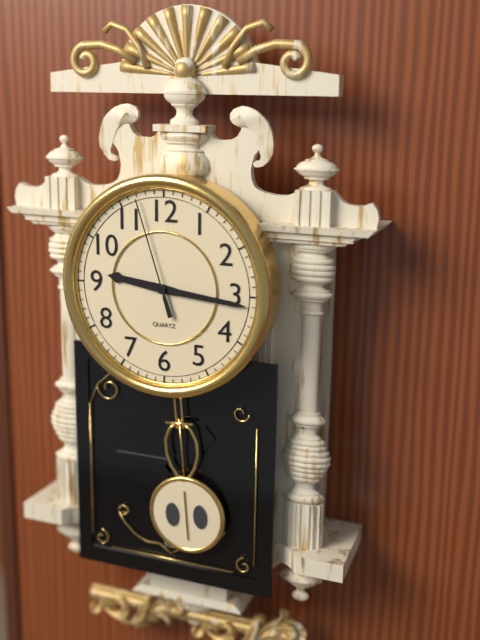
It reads 9:16:57
